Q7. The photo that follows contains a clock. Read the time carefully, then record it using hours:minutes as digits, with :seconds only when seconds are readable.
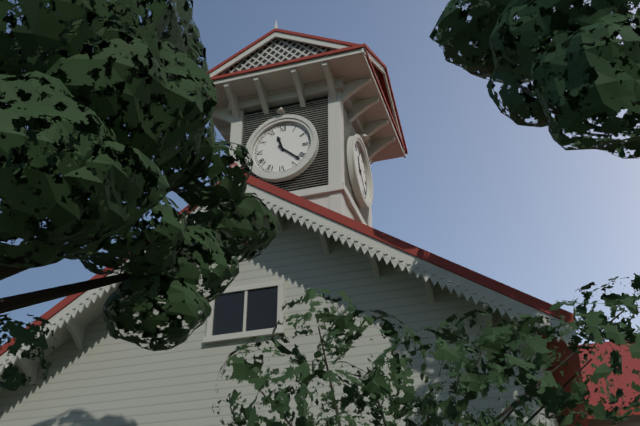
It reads 11:22
